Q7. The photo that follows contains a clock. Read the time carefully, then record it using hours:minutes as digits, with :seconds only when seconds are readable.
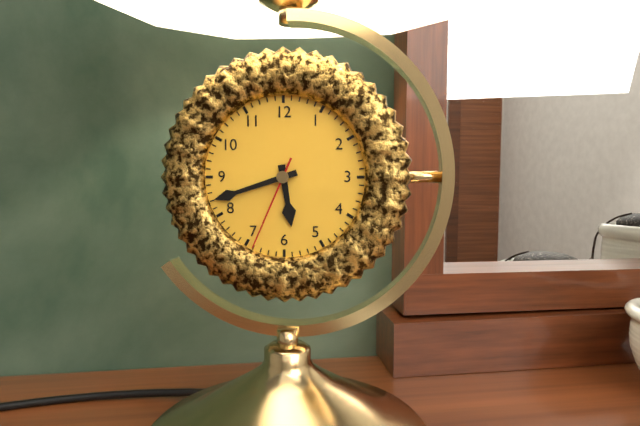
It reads 5:42:34
